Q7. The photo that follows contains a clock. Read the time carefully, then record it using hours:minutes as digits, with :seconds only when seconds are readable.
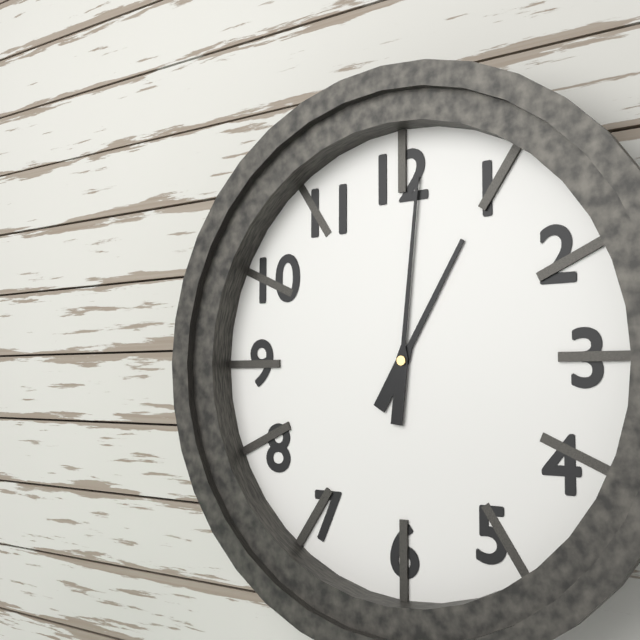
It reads 1:01
